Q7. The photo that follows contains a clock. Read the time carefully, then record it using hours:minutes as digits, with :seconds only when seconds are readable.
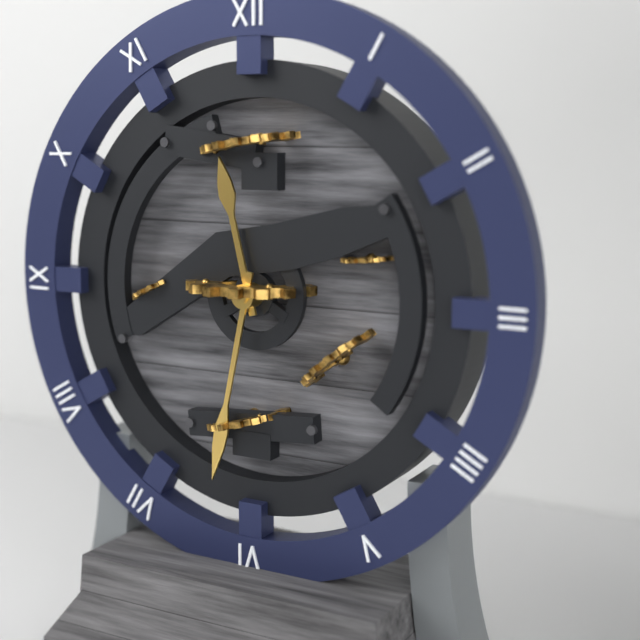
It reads 11:32
